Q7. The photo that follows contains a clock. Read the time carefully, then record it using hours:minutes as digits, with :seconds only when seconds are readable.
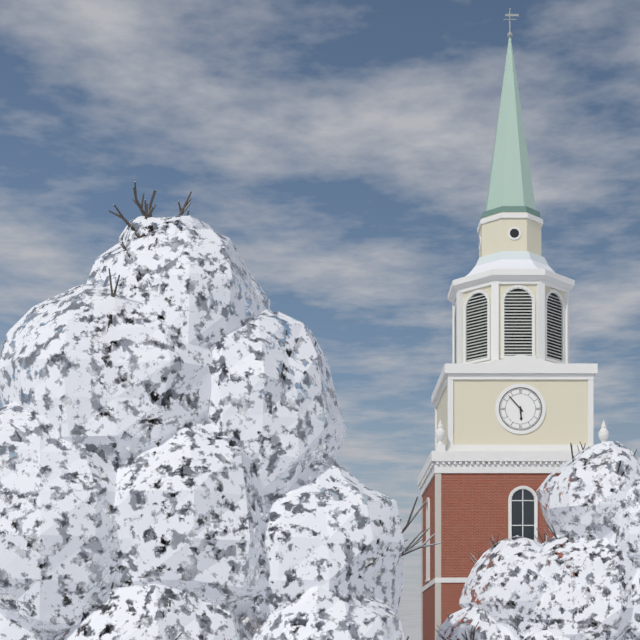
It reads 5:53
